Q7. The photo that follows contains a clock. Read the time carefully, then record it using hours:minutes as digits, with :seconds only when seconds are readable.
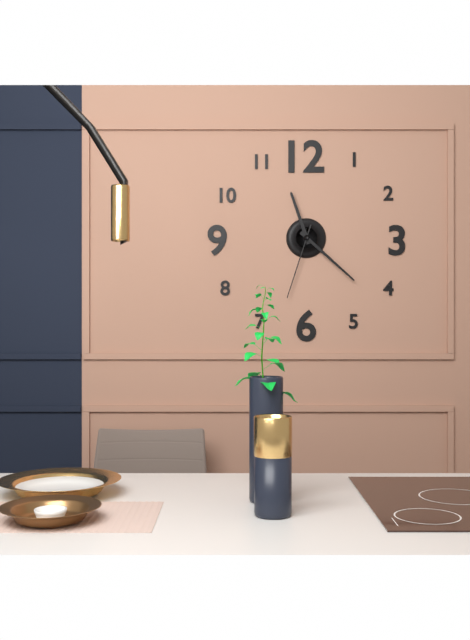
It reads 11:22:33
